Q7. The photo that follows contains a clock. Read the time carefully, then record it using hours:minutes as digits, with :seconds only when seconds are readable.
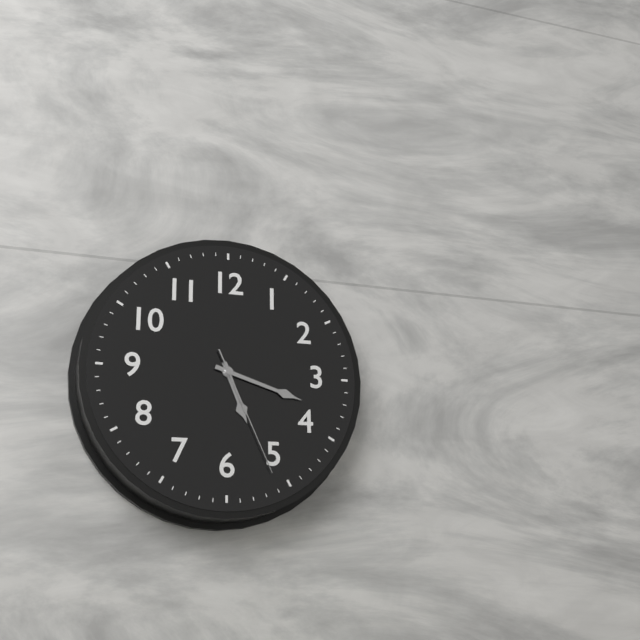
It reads 5:18:26
